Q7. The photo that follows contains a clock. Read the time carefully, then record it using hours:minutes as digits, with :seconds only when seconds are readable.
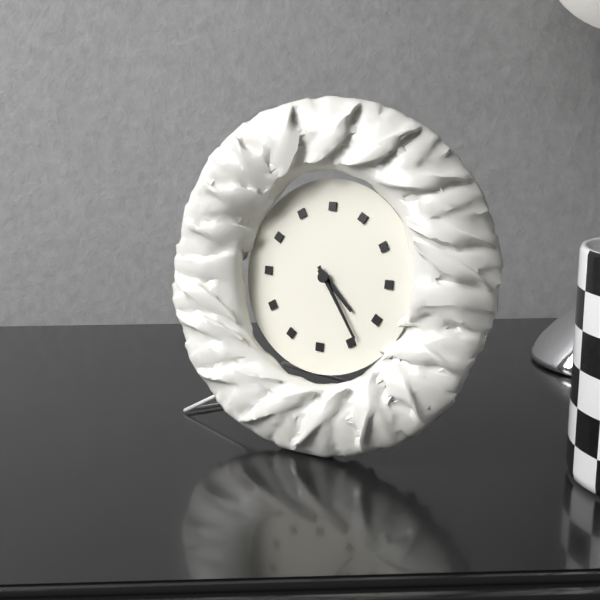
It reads 4:24
